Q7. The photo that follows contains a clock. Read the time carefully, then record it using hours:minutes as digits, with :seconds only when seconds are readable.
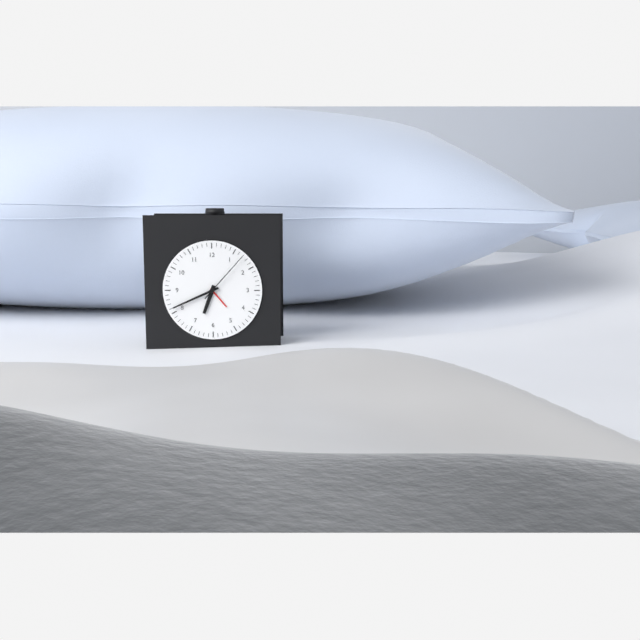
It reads 6:41:07
